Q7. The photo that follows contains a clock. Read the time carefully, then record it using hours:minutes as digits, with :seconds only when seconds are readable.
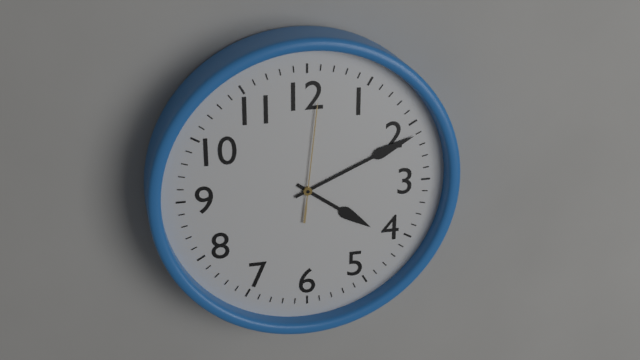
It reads 4:11:01
